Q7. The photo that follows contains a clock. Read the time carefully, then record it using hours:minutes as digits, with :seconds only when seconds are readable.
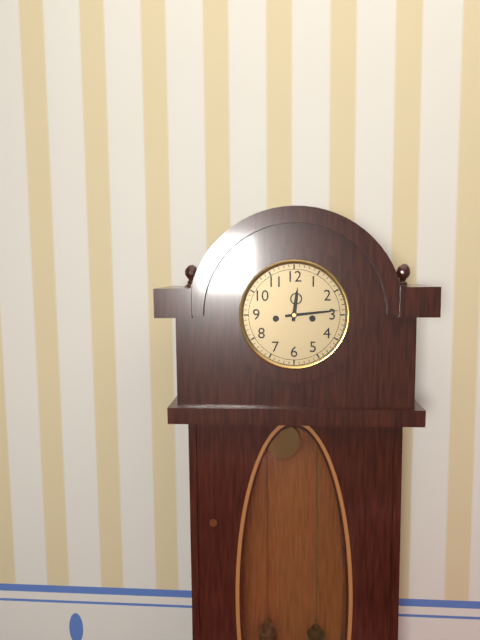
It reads 12:14
